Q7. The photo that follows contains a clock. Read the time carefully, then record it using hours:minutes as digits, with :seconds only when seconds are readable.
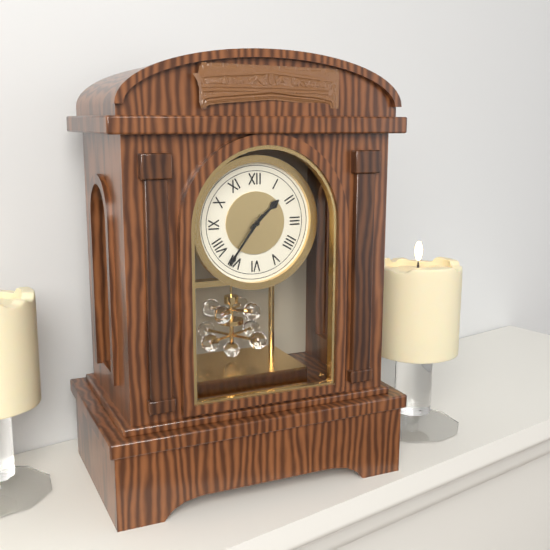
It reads 1:36
